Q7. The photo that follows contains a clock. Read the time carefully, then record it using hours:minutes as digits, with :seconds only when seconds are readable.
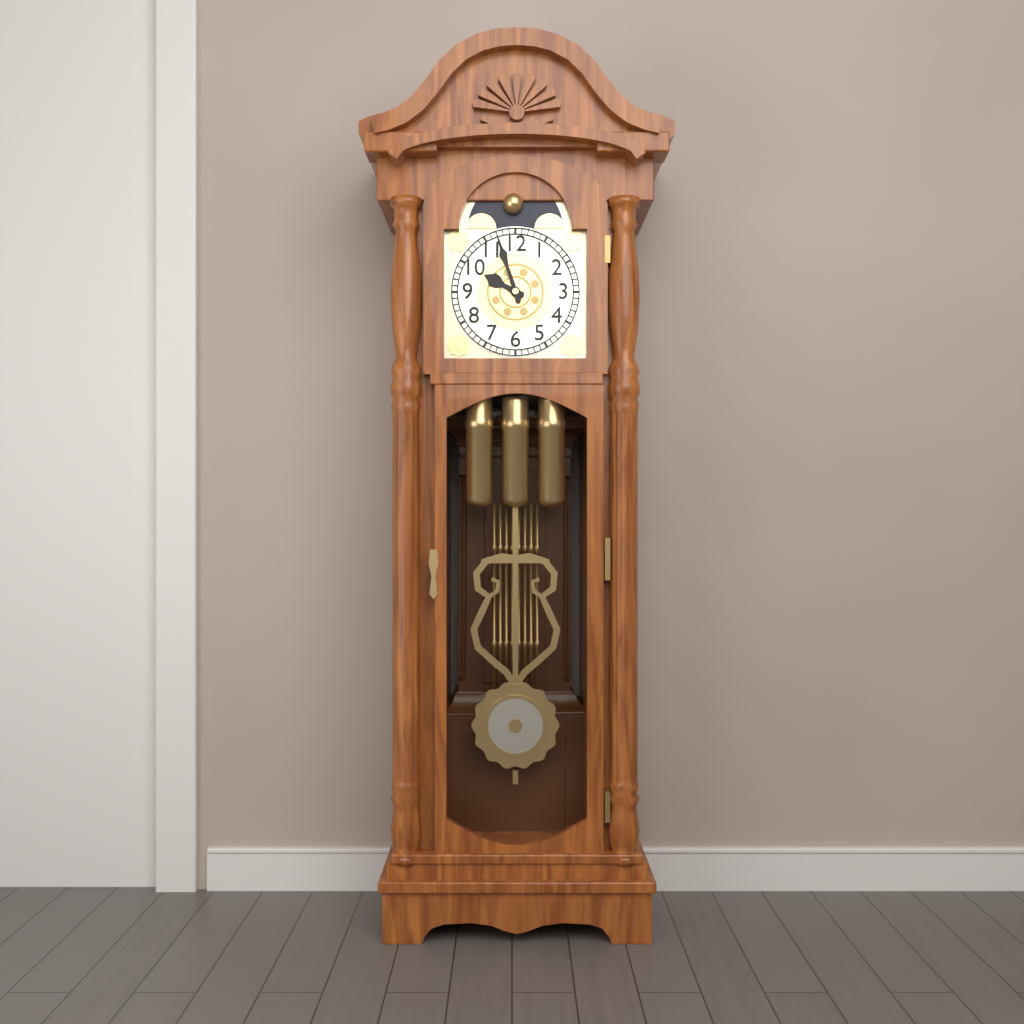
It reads 9:57
